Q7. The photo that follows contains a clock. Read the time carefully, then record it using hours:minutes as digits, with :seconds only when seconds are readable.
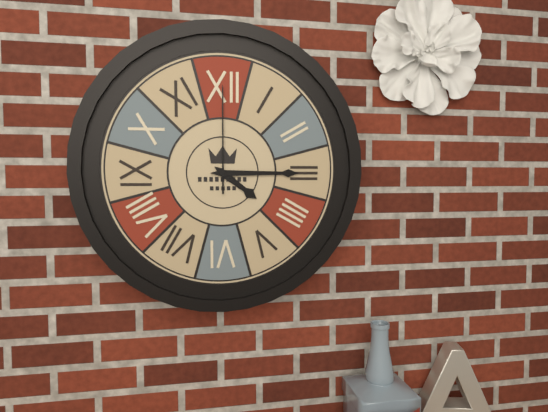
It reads 4:15:00
